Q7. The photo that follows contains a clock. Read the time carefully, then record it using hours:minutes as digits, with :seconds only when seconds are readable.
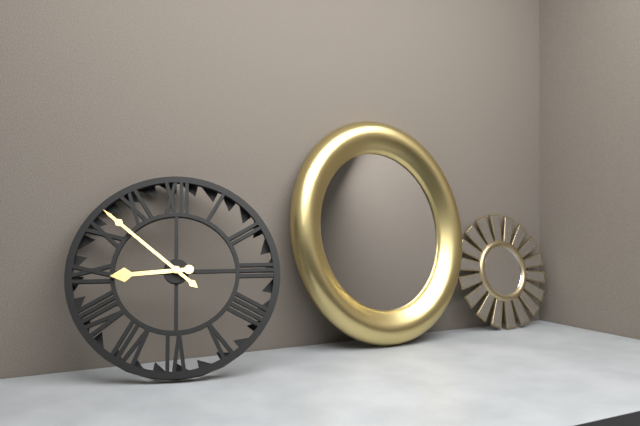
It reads 8:52
